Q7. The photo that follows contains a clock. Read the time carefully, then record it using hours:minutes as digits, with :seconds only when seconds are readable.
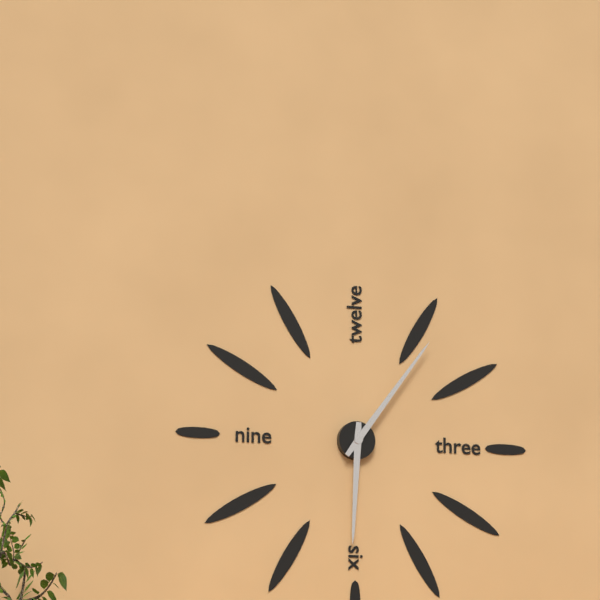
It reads 6:06
